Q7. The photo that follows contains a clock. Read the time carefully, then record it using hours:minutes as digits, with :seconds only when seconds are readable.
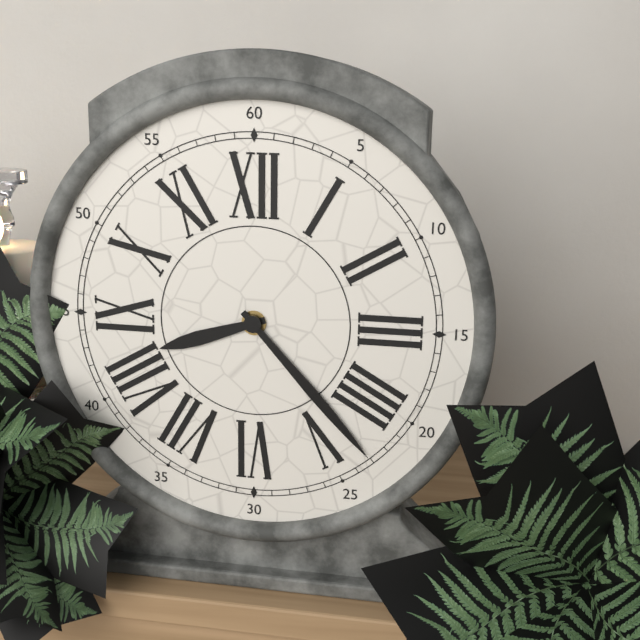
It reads 8:23
